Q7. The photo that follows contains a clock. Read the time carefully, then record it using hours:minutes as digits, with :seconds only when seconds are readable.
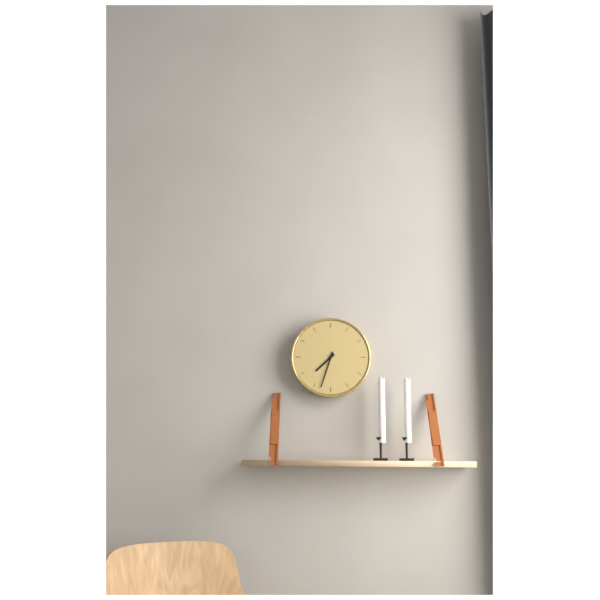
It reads 7:33
